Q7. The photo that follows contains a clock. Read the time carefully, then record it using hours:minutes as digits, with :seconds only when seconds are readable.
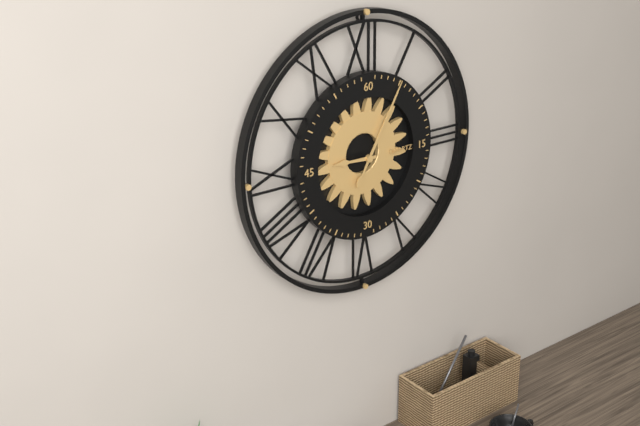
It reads 9:05
